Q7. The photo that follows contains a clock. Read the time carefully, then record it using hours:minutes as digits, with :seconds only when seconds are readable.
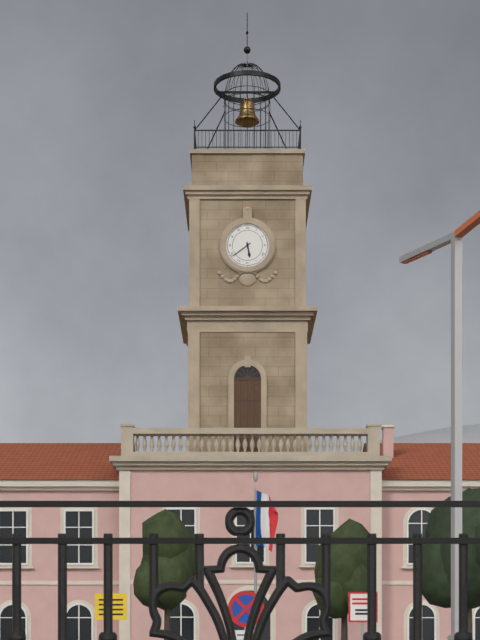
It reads 5:39
